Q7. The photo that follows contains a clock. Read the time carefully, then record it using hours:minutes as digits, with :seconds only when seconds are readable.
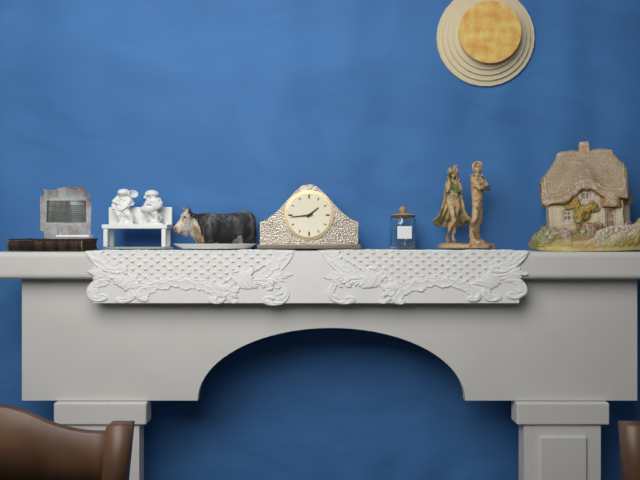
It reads 1:44
